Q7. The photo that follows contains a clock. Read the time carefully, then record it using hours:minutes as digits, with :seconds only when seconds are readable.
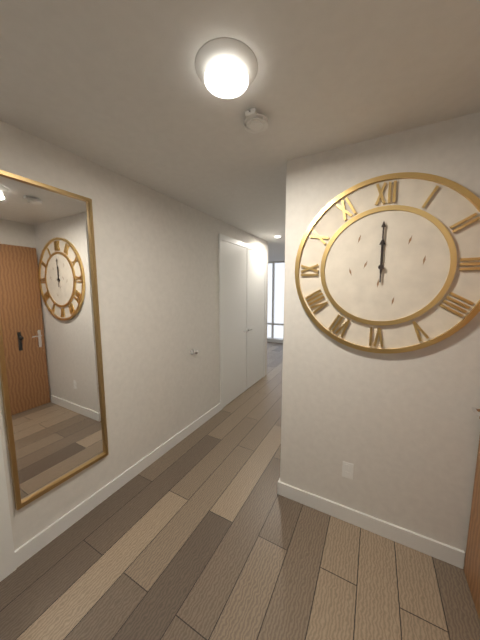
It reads 12:00
